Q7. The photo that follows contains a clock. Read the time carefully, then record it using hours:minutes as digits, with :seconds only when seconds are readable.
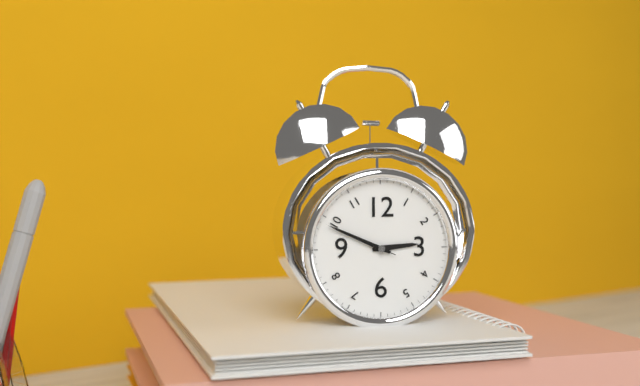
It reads 2:49:49
